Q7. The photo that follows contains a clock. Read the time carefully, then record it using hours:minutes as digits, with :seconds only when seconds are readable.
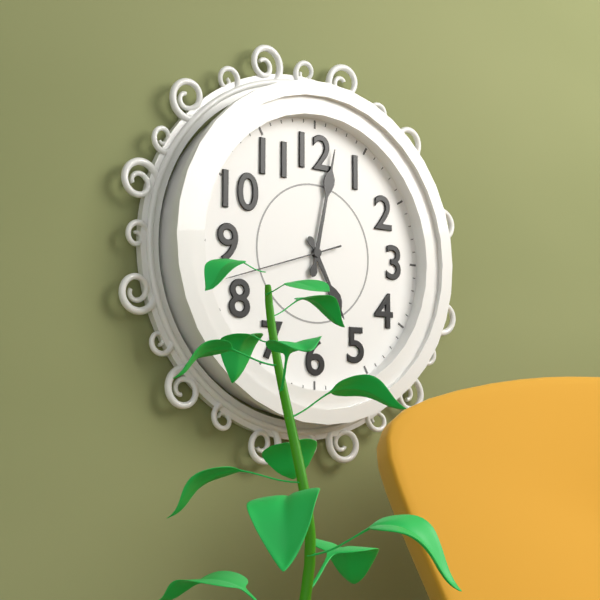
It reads 5:02:42
